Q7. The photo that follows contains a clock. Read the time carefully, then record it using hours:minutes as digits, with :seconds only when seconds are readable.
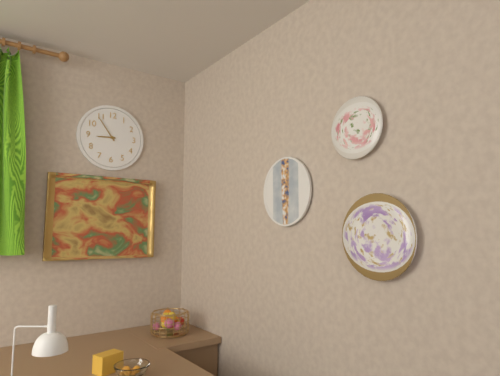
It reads 8:54
